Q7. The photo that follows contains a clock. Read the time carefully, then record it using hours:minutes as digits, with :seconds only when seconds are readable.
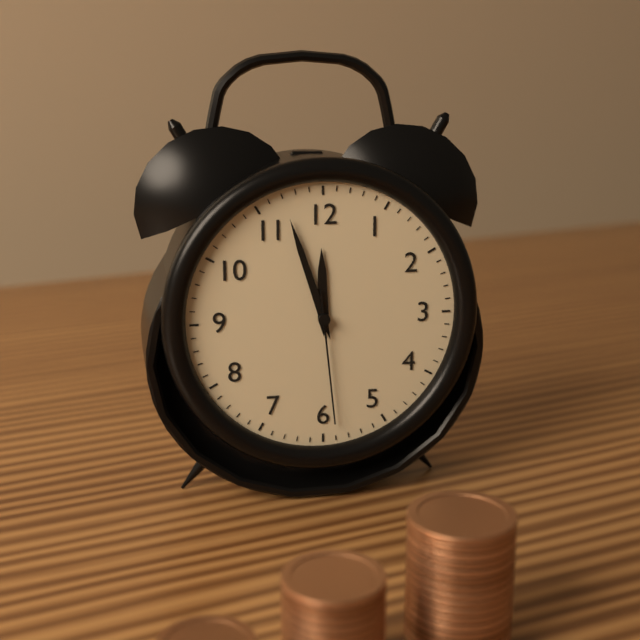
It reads 11:57:29
